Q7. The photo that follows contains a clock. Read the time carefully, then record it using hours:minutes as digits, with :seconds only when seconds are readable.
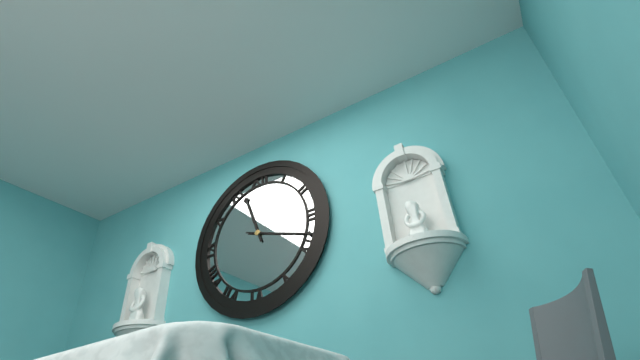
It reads 11:18
